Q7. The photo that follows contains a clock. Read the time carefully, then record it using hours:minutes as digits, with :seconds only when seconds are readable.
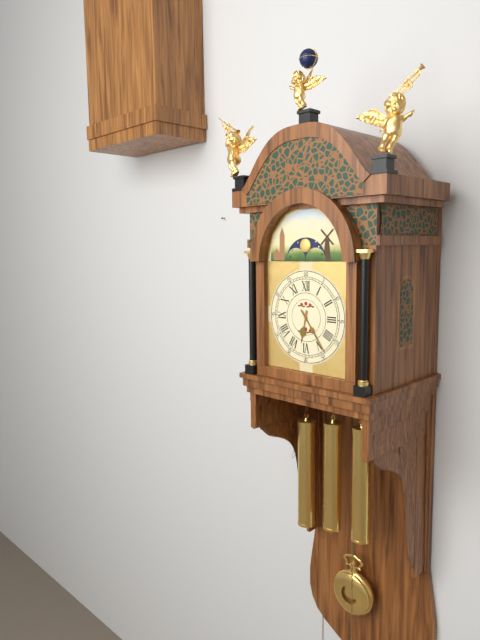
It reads 6:24
